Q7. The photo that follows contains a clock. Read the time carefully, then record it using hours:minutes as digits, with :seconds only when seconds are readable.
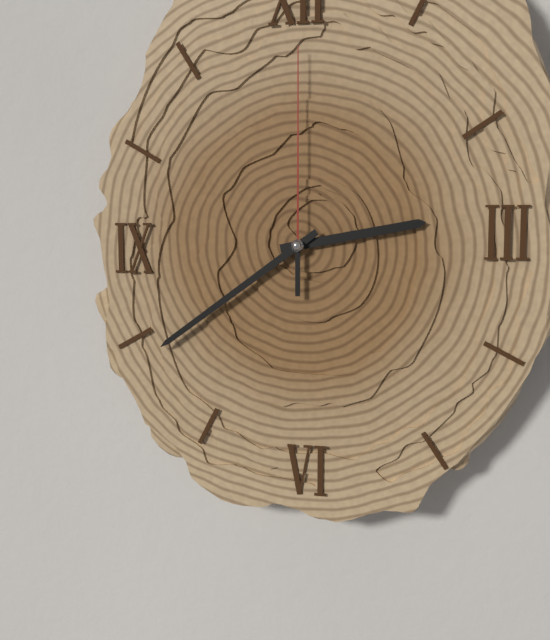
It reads 2:39:00
